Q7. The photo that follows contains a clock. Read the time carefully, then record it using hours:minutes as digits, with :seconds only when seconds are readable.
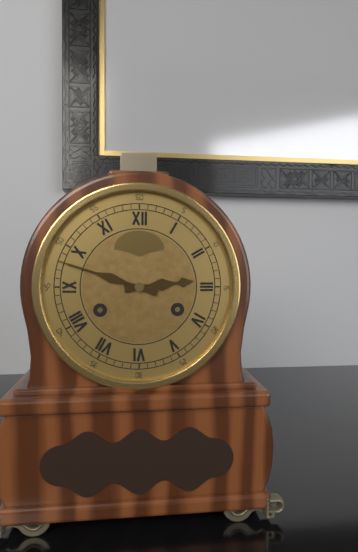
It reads 2:48
